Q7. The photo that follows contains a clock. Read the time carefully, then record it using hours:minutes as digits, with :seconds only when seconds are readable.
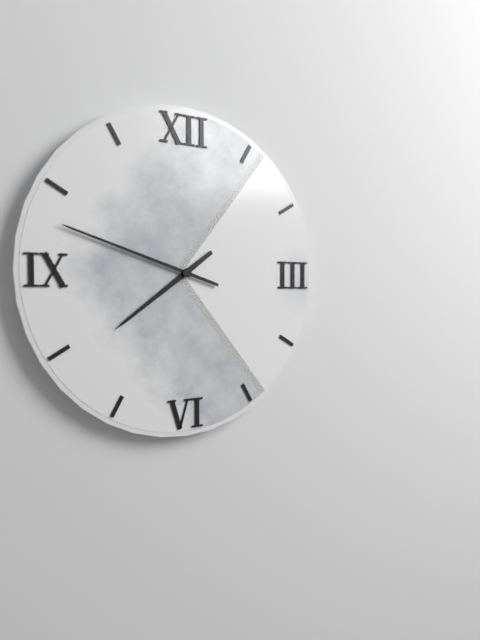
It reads 7:48
